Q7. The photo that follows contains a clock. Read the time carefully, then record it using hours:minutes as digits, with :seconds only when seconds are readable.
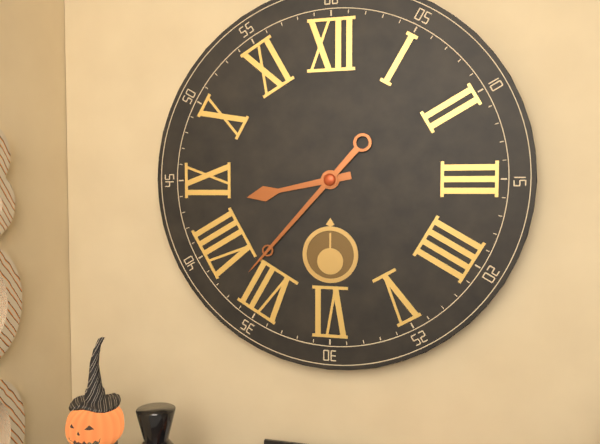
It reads 8:37
